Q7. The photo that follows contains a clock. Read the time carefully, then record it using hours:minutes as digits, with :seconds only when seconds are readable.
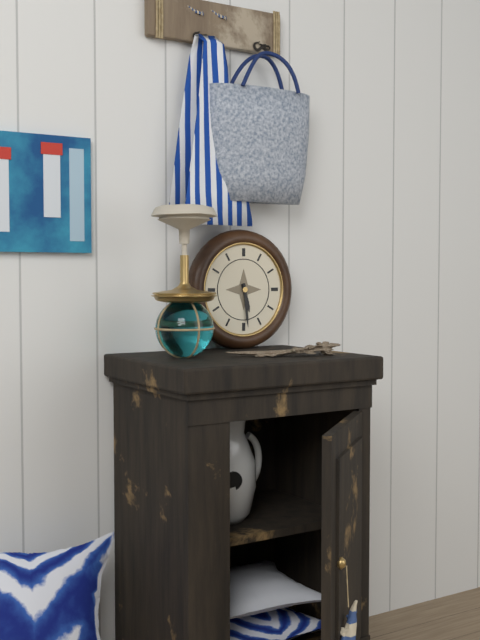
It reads 5:29
